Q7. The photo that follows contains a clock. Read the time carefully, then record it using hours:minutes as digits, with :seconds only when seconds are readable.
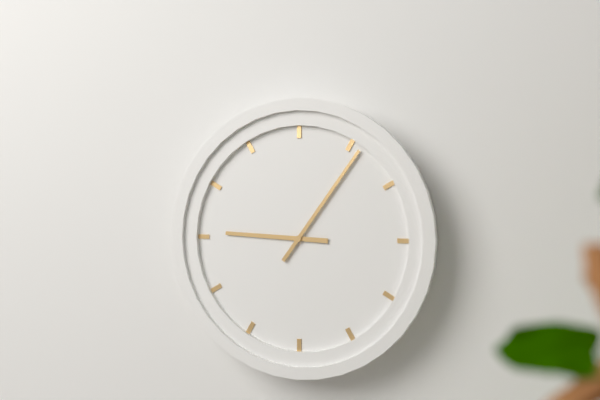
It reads 9:06
